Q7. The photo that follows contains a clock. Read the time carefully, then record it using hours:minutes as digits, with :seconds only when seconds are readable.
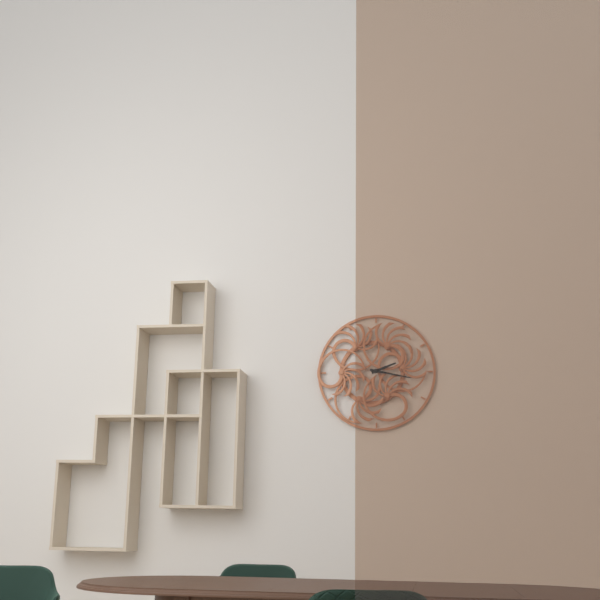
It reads 2:17
